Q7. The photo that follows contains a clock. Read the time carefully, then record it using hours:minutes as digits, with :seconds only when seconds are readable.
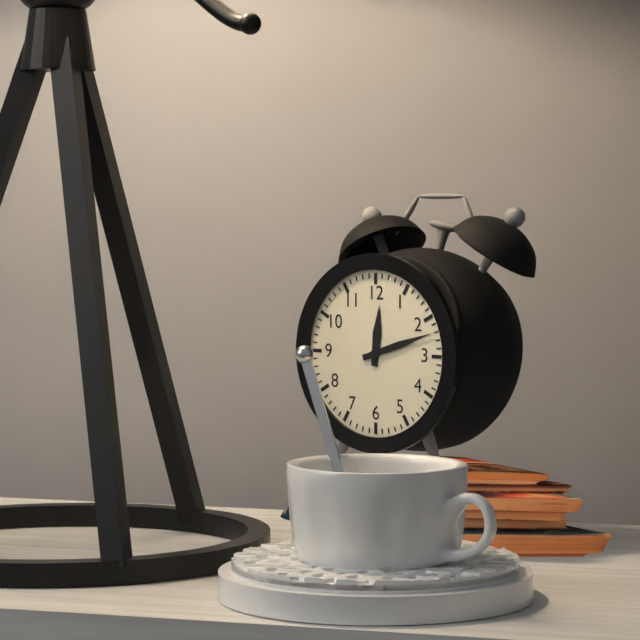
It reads 12:12
